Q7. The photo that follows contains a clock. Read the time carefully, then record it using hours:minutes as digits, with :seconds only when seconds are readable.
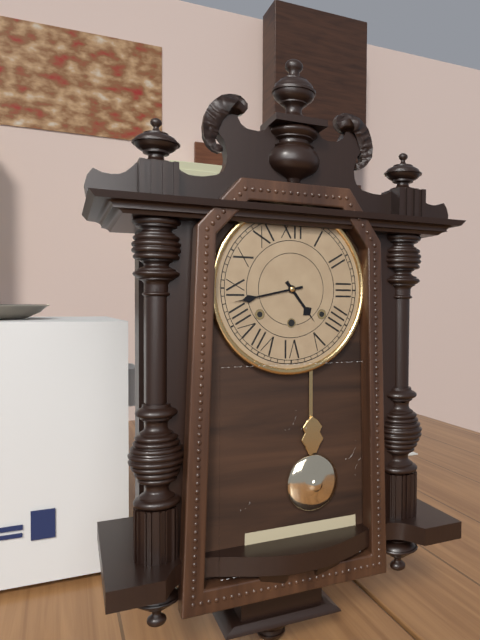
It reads 4:43
